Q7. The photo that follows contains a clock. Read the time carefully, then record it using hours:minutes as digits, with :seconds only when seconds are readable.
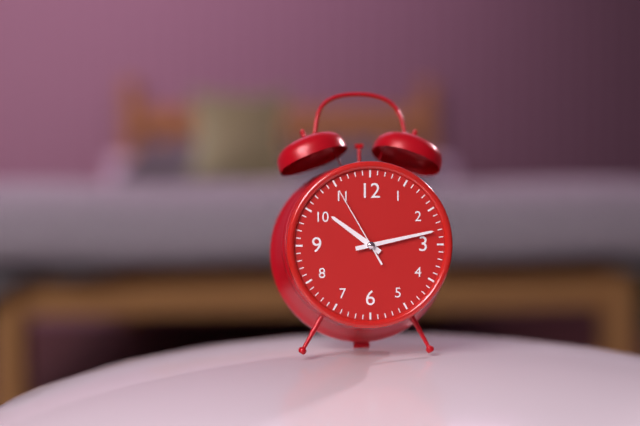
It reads 10:13:55
